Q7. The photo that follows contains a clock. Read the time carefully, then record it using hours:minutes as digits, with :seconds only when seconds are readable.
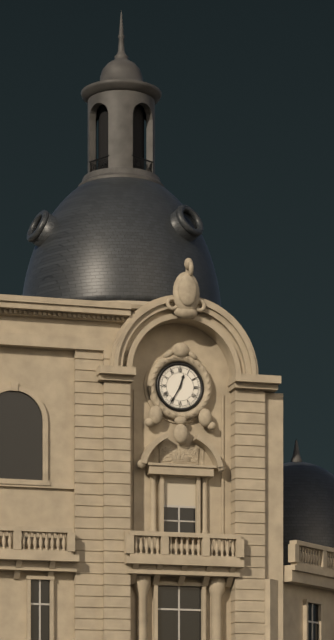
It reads 12:35
